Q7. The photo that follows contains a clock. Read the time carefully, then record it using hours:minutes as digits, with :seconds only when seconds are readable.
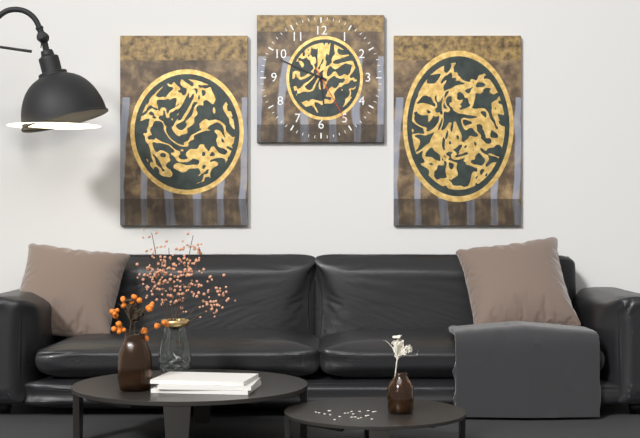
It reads 5:49:25
